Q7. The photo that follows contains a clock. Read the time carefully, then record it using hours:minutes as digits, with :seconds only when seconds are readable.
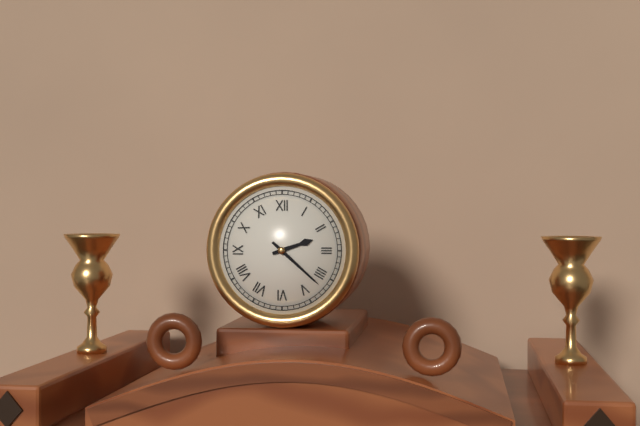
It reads 2:22
